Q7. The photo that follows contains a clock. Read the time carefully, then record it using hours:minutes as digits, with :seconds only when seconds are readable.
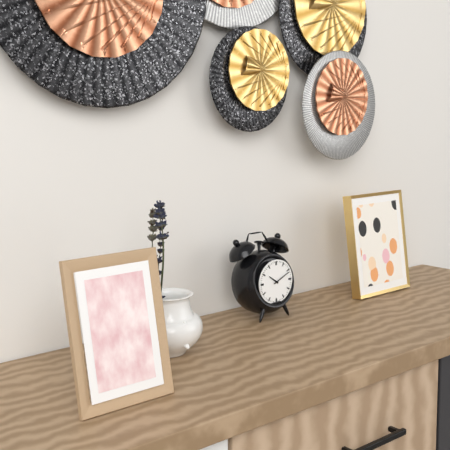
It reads 10:11
